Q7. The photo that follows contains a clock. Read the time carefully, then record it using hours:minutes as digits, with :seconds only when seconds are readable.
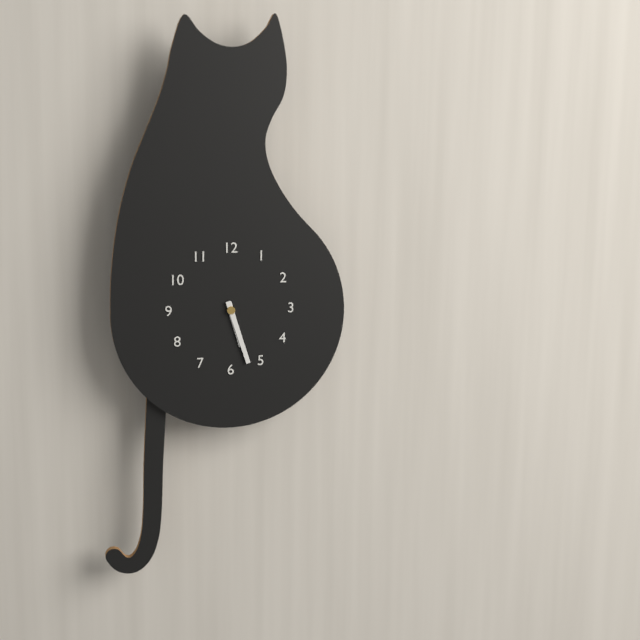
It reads 5:27
